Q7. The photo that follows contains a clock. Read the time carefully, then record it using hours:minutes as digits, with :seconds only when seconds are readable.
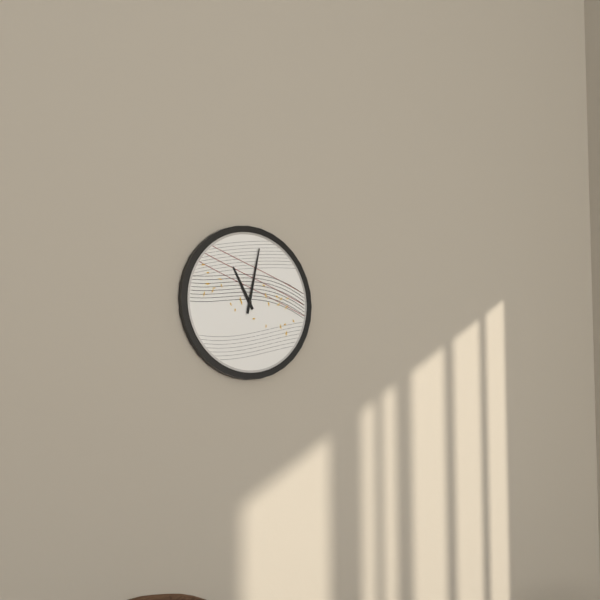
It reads 11:02
